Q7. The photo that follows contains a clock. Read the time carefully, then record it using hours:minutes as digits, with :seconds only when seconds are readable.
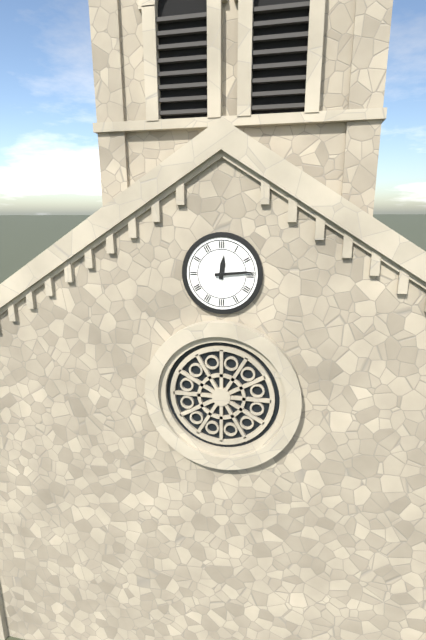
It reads 12:14
